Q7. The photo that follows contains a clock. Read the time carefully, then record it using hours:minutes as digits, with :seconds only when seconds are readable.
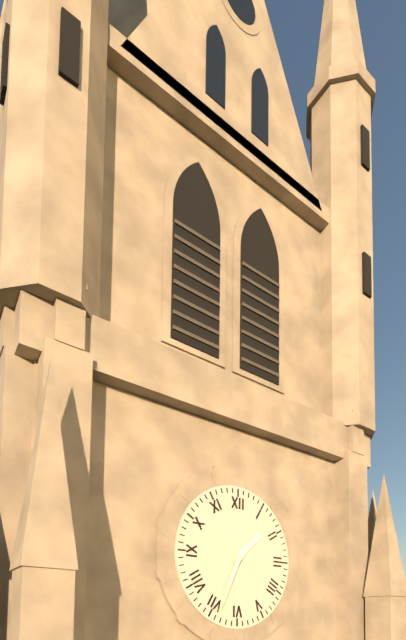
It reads 1:34
